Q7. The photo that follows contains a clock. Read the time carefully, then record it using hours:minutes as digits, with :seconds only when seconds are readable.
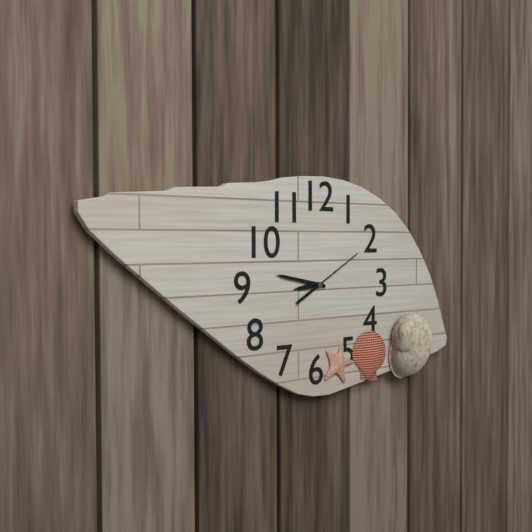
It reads 8:47:10
